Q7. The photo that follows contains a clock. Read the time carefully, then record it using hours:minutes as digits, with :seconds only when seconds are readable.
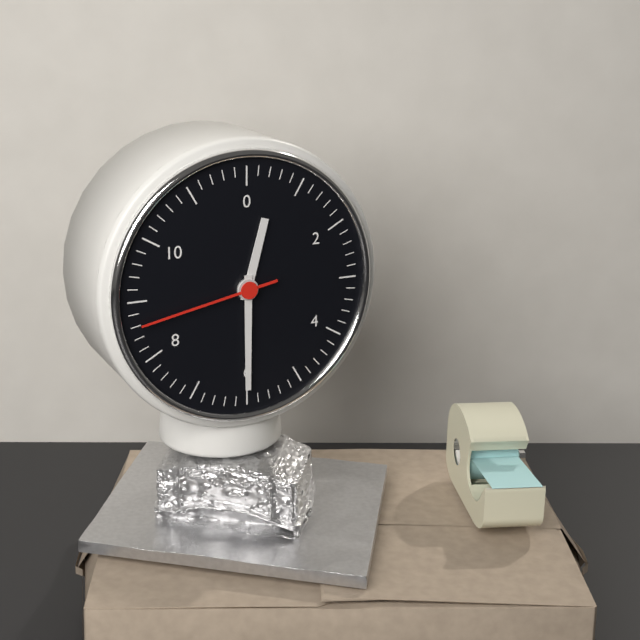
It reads 12:30:43
